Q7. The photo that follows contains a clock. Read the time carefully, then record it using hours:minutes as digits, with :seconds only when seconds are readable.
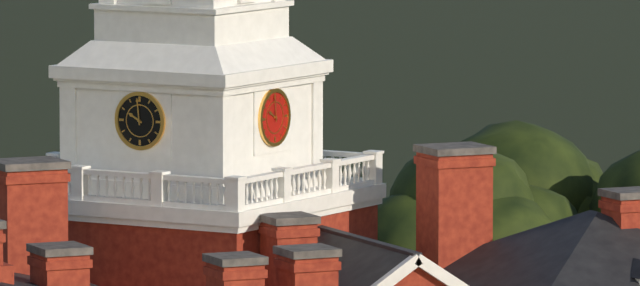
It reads 9:59
